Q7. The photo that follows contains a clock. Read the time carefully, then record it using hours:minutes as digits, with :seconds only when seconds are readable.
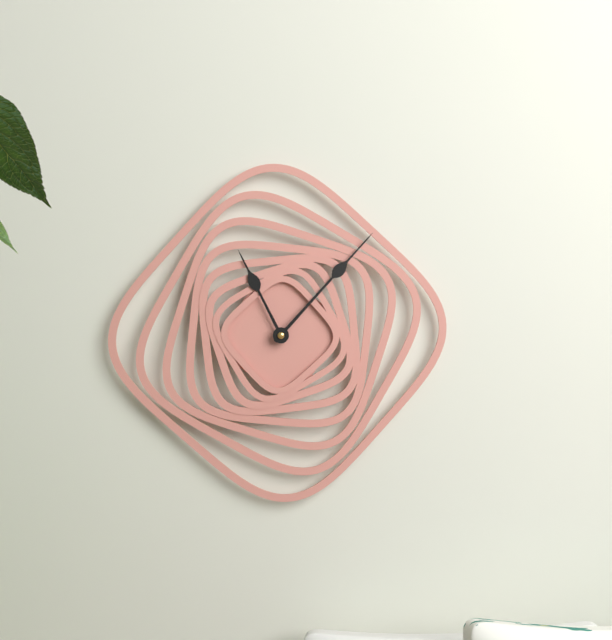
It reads 11:07
